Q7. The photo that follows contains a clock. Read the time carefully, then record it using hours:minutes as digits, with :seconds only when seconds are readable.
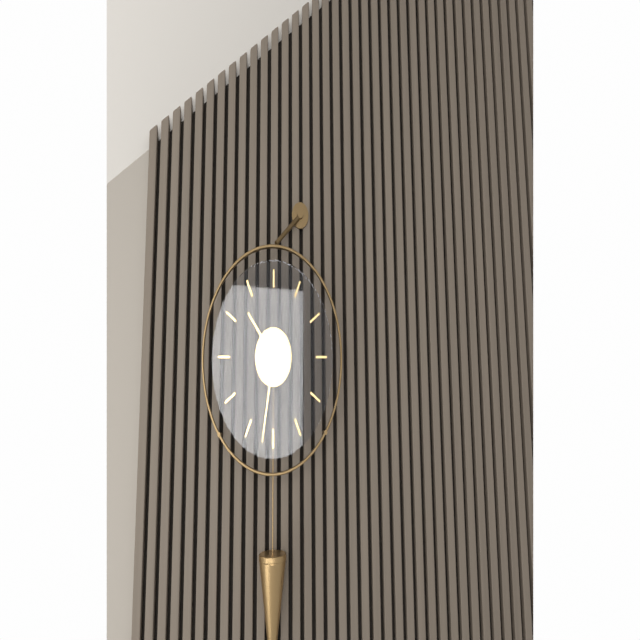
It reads 10:32
